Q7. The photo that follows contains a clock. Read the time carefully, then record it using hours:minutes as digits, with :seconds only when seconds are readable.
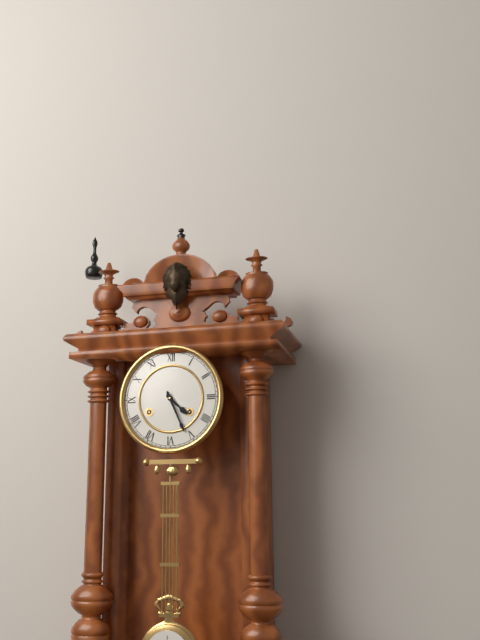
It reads 4:26
